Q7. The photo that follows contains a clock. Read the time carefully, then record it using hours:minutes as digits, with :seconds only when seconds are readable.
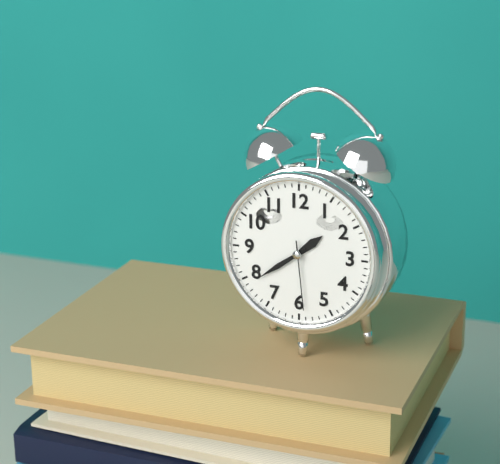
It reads 1:39:29
